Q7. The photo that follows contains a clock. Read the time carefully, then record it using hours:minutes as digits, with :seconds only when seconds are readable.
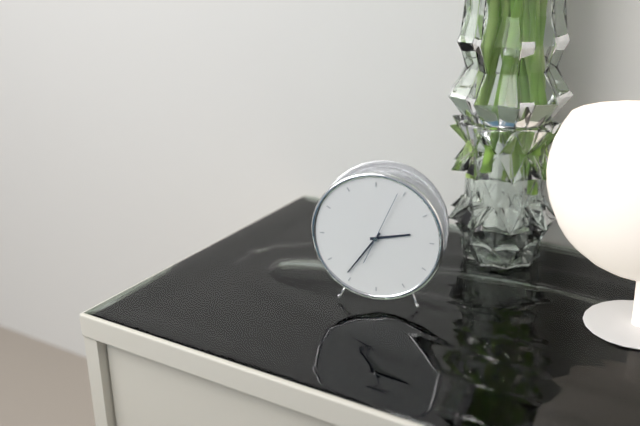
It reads 2:36:04
